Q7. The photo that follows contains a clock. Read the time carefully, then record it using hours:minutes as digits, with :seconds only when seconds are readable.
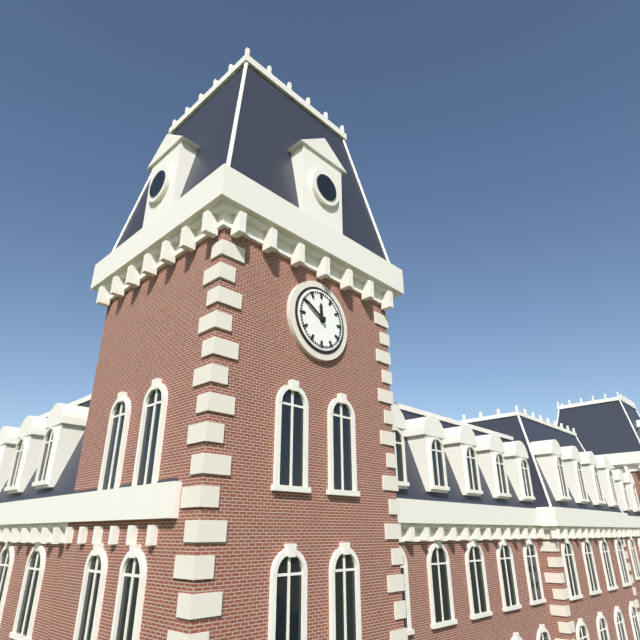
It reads 11:50
